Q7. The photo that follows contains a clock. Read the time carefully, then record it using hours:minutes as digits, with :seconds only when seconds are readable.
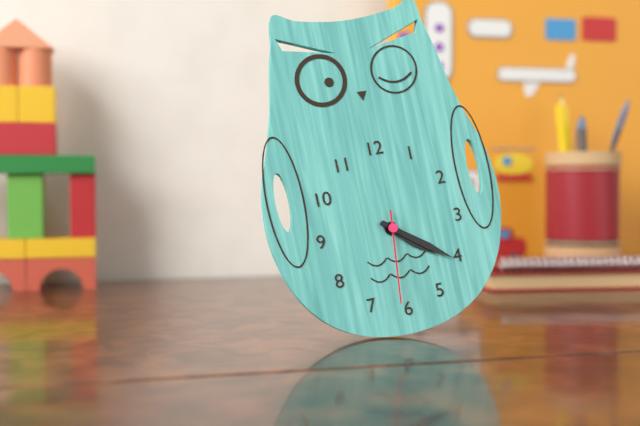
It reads 4:21:31
